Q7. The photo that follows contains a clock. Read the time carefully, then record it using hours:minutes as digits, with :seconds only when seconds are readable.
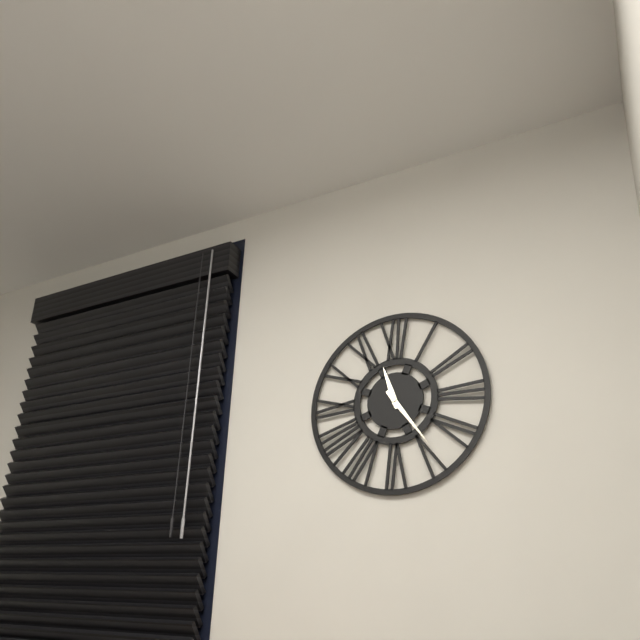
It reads 11:24
